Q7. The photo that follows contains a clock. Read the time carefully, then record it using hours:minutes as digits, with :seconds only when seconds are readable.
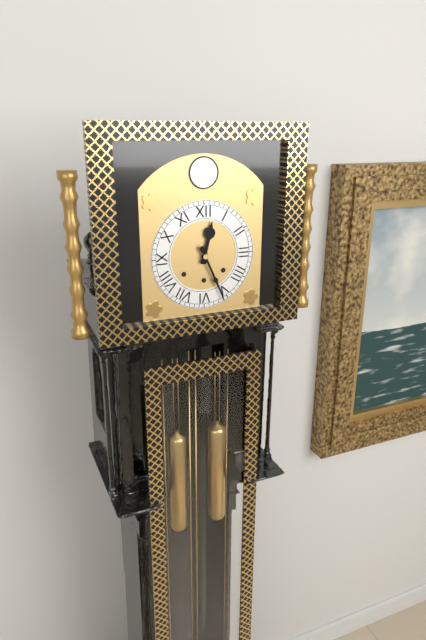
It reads 12:26
